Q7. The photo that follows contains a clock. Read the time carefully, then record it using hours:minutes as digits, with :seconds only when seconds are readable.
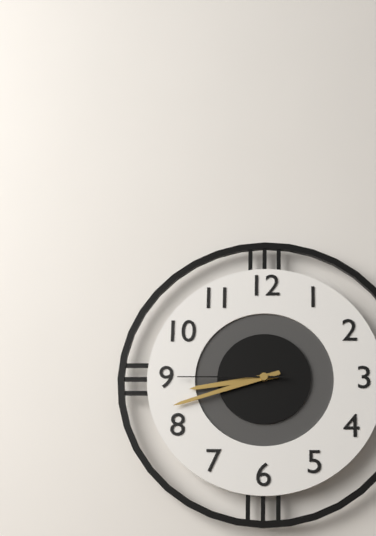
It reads 8:42:45
